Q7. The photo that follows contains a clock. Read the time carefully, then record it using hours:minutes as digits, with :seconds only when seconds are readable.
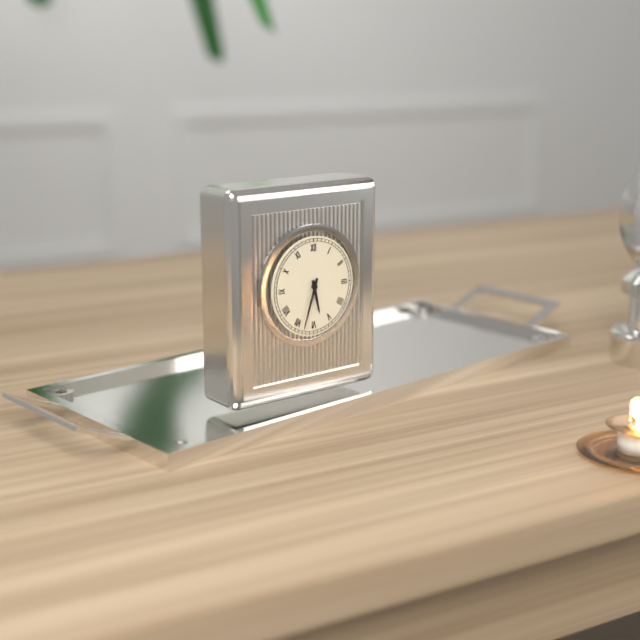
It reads 5:33
